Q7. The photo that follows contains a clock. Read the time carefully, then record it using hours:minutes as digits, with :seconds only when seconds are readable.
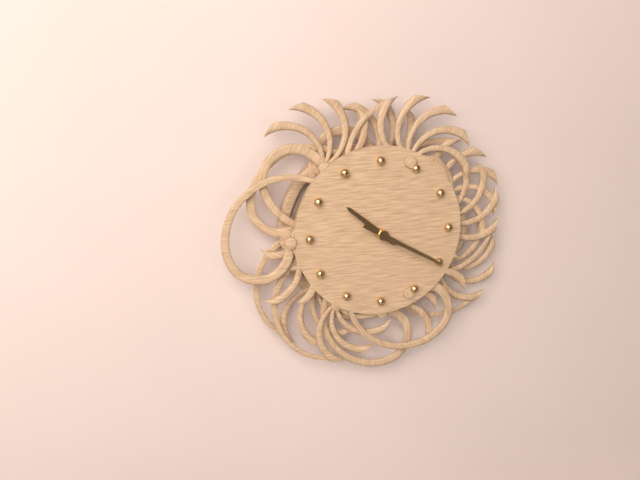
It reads 10:20
